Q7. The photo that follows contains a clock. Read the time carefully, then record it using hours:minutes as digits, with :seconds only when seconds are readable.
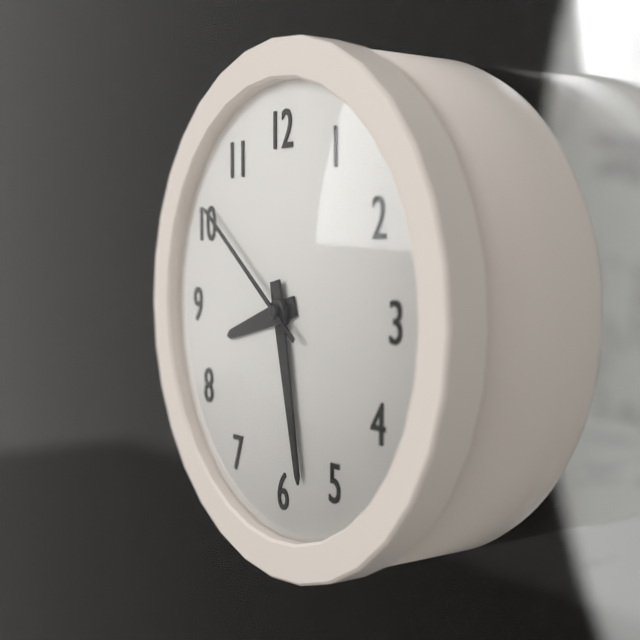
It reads 8:28:51
